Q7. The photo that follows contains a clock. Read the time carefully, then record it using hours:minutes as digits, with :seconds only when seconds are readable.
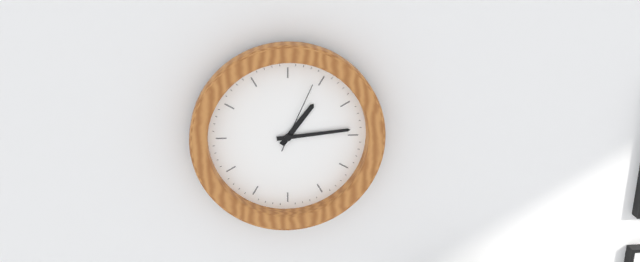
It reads 1:14:04
